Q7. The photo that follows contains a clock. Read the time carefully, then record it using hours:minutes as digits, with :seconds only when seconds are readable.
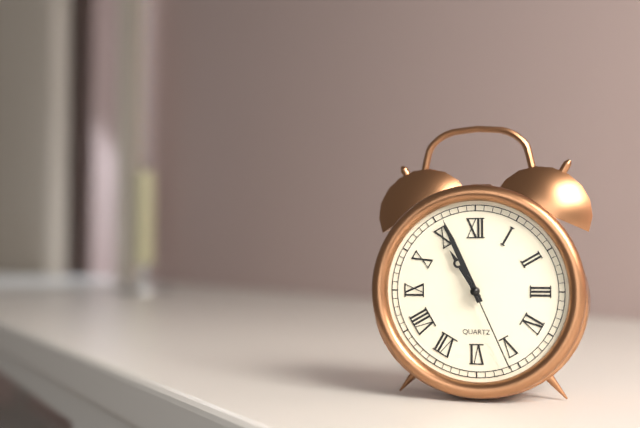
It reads 10:56:26
